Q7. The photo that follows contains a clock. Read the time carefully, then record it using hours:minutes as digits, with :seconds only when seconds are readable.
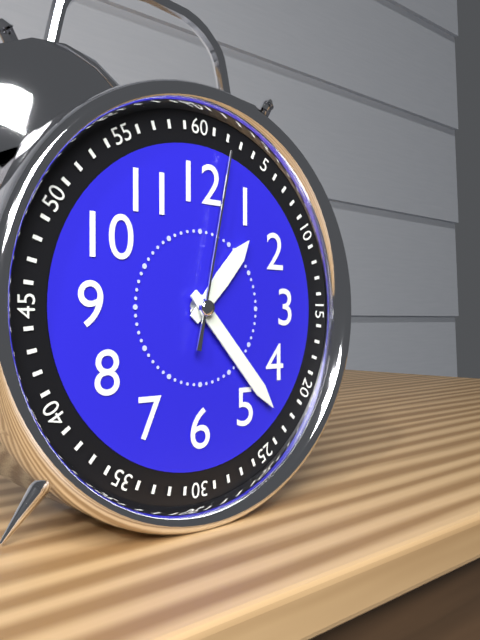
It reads 1:23:02
